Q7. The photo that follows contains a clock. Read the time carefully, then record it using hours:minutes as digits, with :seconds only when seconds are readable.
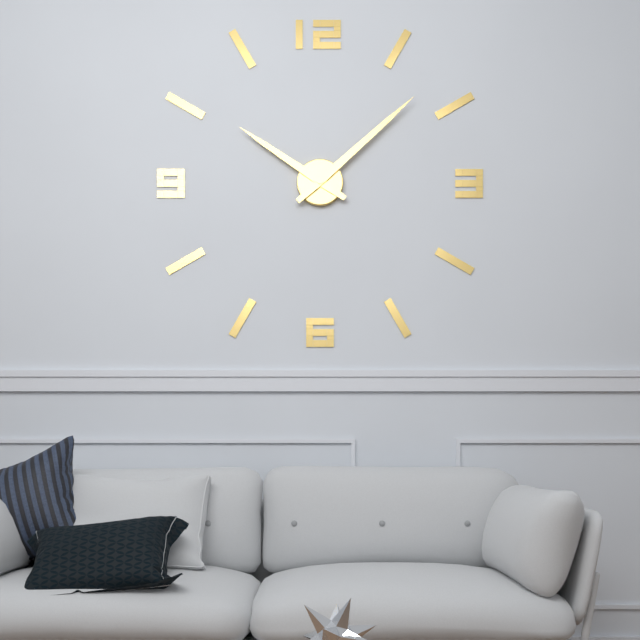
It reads 10:08
